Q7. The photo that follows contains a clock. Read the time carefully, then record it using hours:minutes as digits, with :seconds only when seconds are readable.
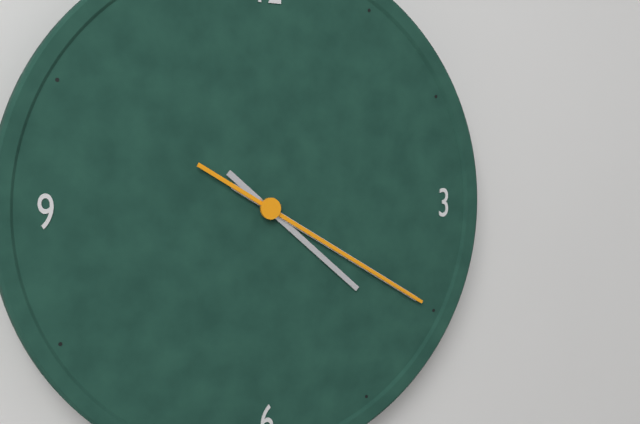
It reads 4:20:20
